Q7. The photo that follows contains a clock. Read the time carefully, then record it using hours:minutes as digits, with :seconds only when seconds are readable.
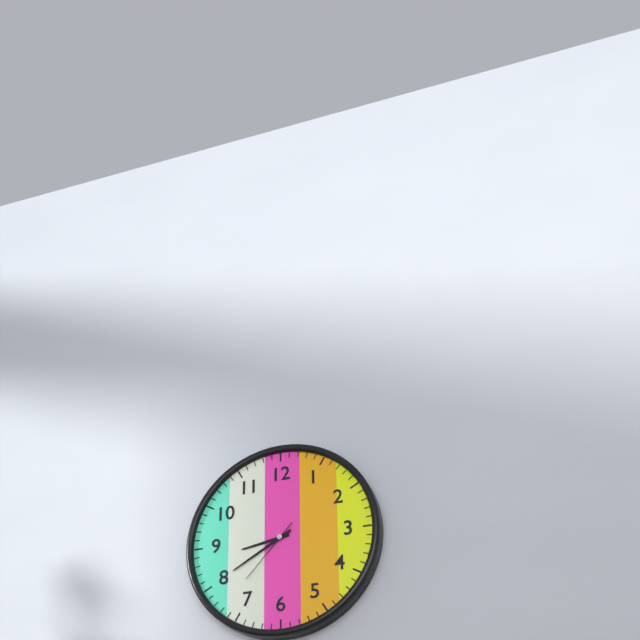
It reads 8:40:37
